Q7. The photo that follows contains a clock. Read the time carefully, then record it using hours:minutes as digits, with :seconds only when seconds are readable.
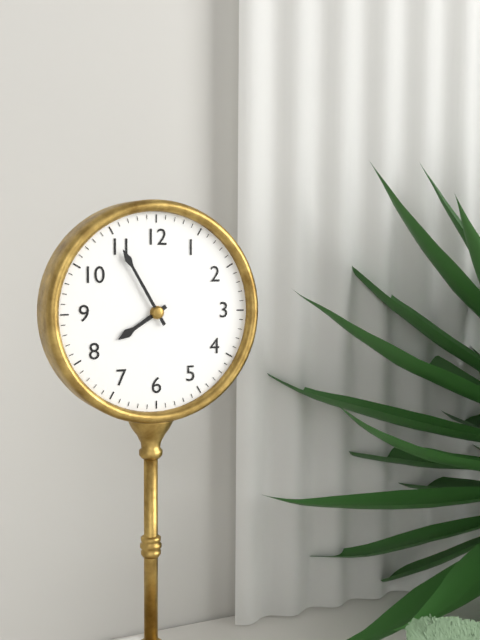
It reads 7:55
